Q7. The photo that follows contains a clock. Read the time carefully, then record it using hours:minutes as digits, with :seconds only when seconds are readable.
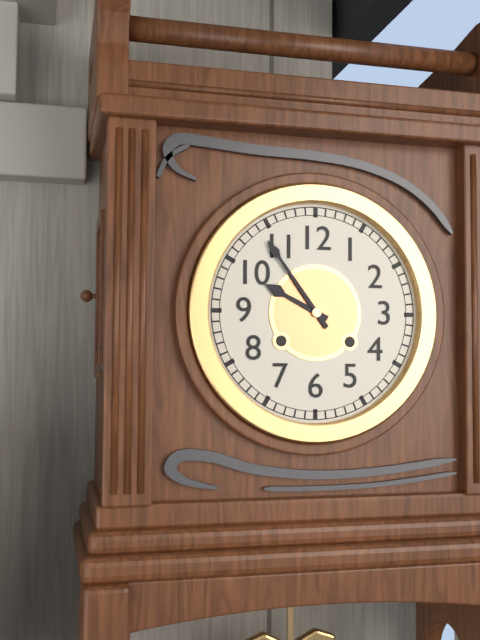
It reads 9:54
